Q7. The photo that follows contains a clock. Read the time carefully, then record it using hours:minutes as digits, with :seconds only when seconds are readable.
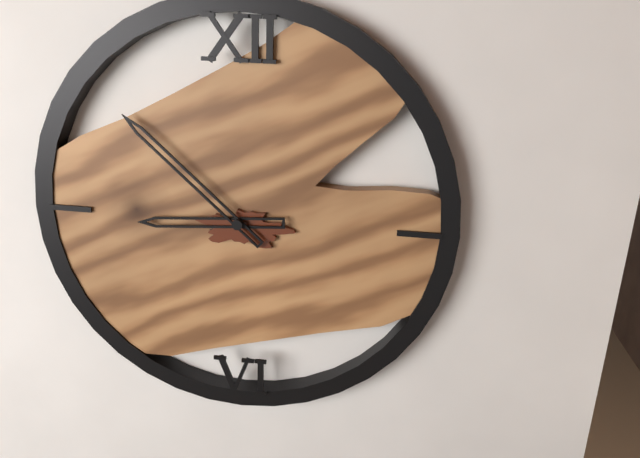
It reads 8:52
